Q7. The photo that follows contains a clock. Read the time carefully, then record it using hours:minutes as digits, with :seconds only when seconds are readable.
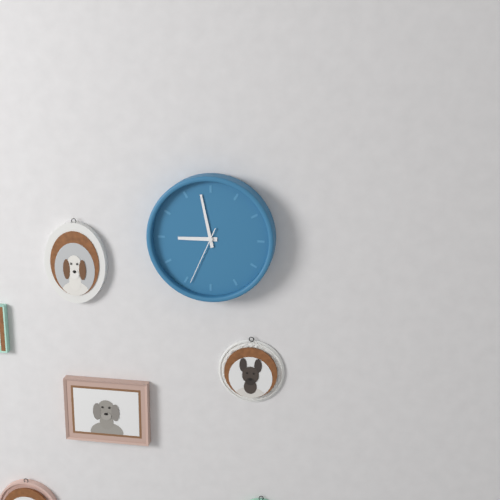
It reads 8:58:34
